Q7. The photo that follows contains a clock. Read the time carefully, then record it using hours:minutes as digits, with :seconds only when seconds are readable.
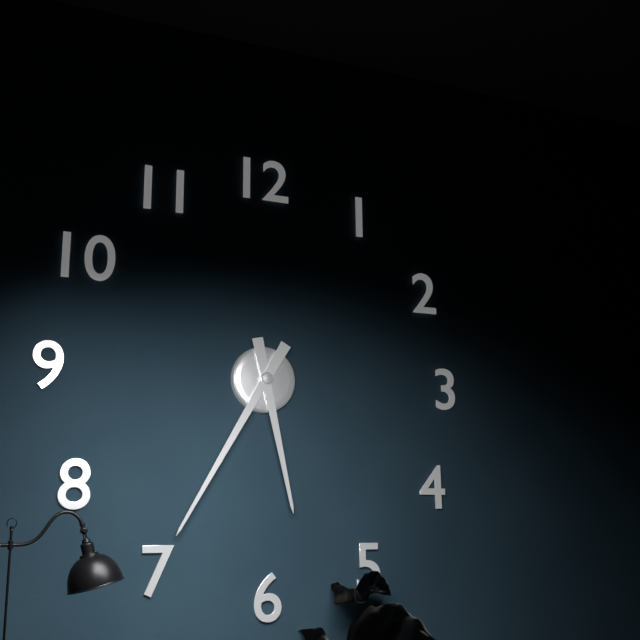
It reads 5:35
